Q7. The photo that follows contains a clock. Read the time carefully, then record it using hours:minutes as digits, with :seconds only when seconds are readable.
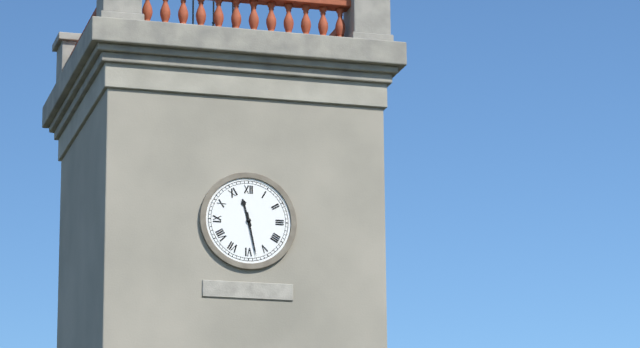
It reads 11:28
